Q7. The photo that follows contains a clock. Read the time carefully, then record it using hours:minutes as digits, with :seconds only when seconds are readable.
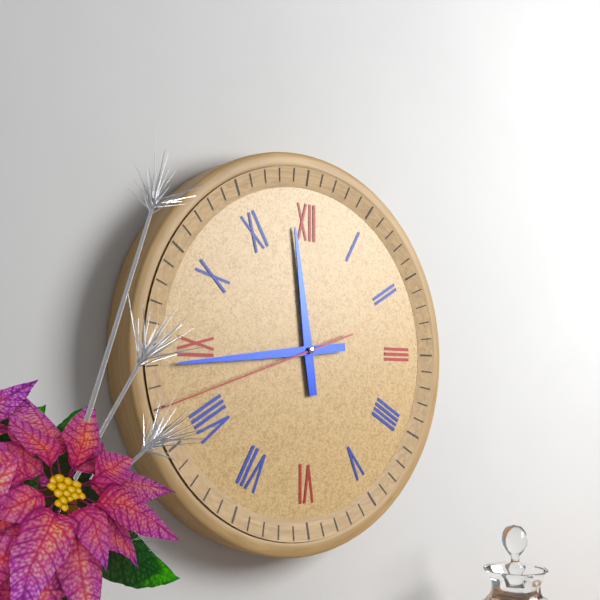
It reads 11:44:42
